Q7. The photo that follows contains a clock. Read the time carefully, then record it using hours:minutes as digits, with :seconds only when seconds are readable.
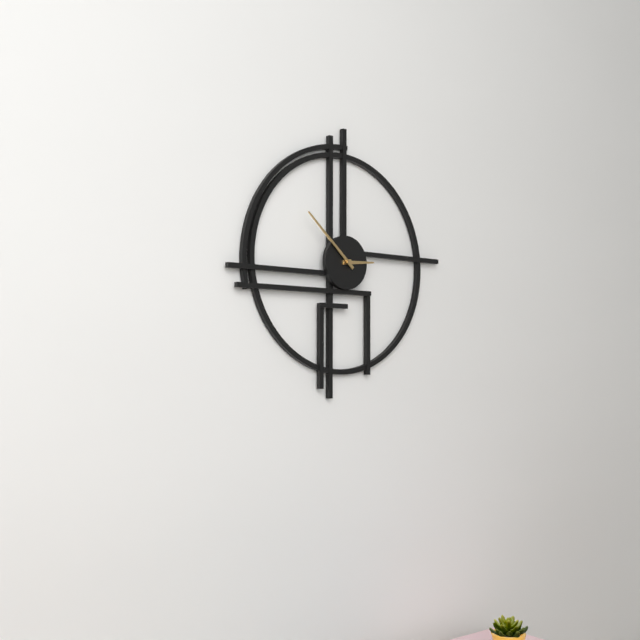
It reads 2:52
